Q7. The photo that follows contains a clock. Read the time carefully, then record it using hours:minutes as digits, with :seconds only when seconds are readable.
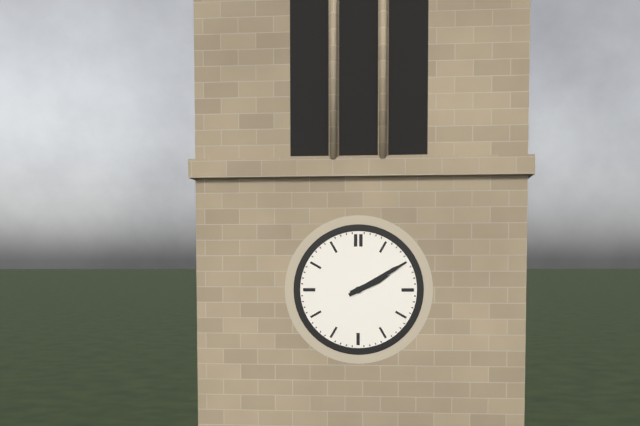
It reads 2:10
